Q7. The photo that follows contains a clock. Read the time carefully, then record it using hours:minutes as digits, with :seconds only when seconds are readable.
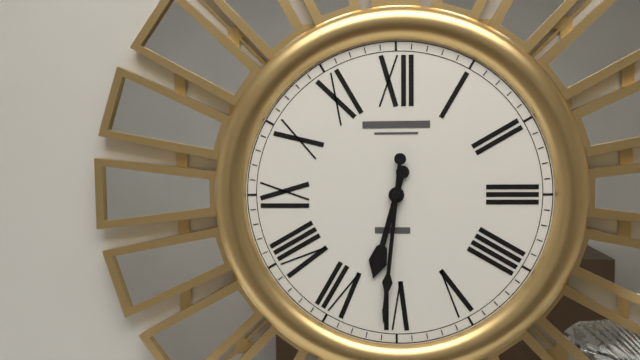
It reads 6:31
